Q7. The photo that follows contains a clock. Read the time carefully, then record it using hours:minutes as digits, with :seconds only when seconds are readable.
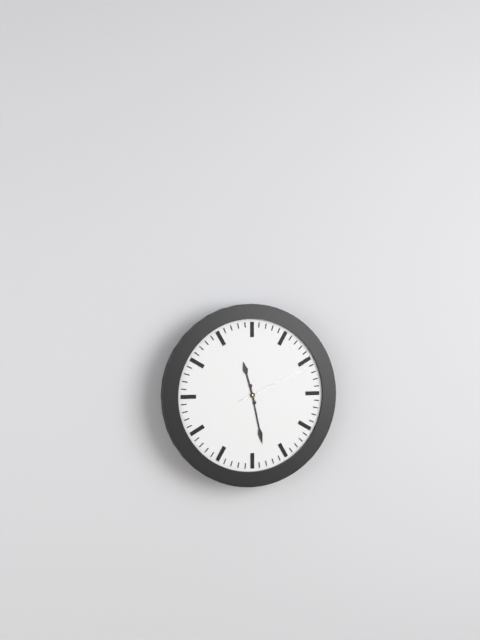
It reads 11:28:11
